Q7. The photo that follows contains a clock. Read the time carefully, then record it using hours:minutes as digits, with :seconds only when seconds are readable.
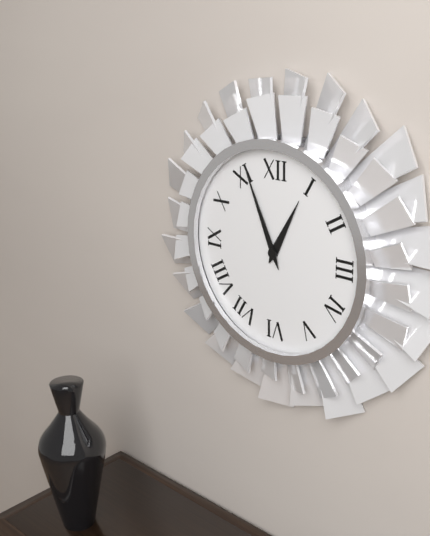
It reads 12:56
